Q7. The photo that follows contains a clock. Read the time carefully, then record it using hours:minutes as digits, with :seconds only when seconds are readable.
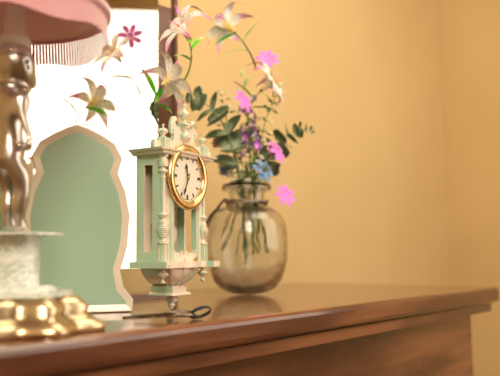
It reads 11:34
